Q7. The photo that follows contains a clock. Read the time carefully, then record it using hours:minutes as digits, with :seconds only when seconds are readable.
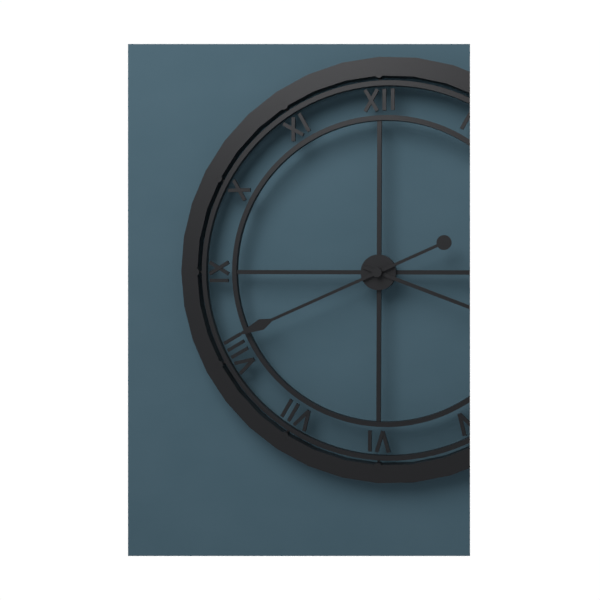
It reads 3:41
